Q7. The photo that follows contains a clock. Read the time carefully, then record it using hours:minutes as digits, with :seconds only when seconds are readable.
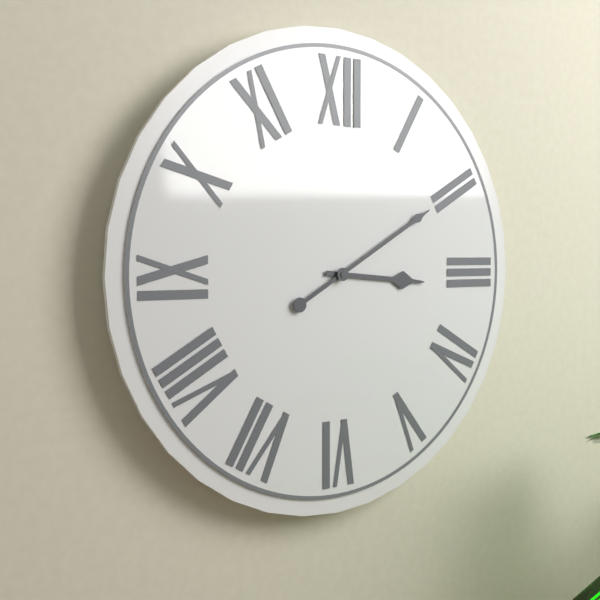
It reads 3:10
